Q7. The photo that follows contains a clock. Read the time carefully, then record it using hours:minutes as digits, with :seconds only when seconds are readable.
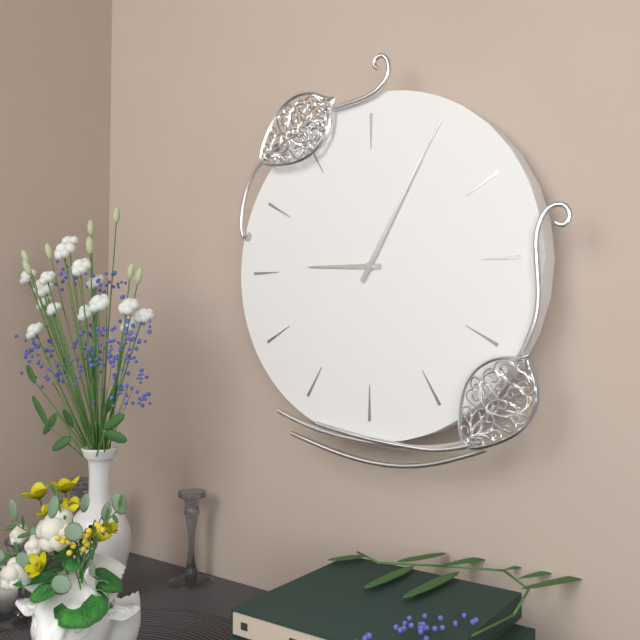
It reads 9:05
